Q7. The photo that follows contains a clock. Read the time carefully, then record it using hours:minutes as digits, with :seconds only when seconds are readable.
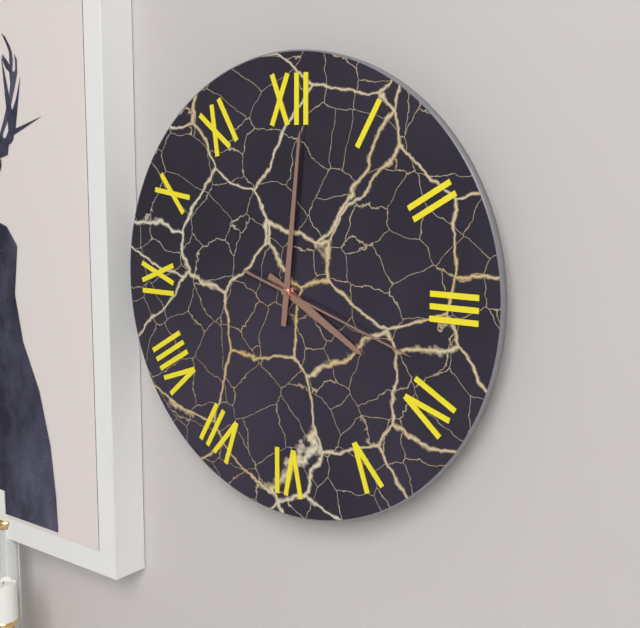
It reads 4:01:18
